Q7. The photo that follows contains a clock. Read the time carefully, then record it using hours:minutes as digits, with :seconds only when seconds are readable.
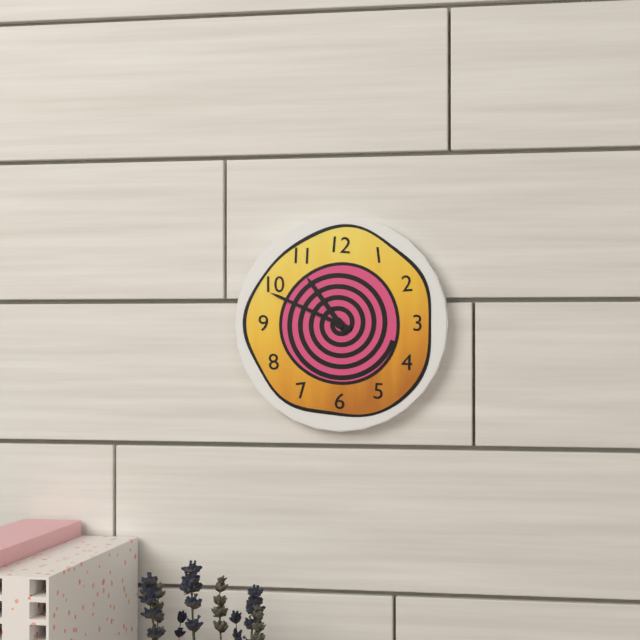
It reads 10:49
